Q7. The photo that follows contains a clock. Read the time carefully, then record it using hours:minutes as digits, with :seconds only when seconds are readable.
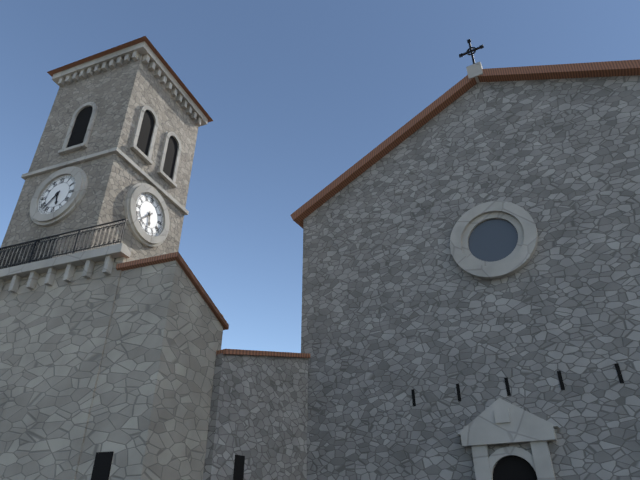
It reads 5:37
